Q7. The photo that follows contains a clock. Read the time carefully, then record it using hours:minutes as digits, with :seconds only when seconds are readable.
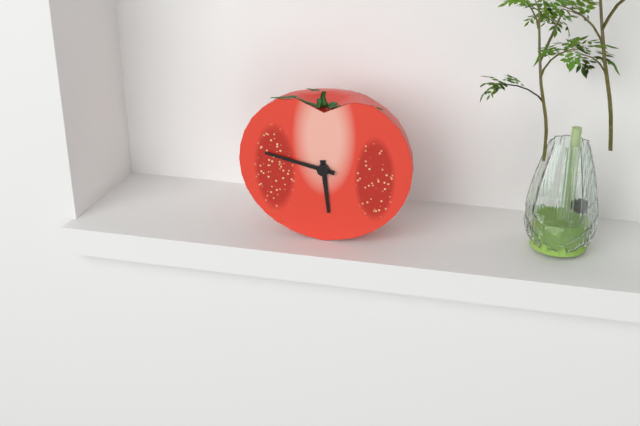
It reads 5:47
